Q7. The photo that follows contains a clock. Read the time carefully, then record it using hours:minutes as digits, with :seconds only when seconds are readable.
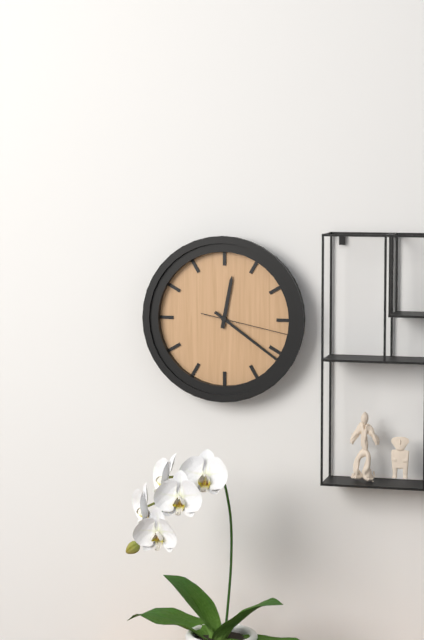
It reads 12:21:17
